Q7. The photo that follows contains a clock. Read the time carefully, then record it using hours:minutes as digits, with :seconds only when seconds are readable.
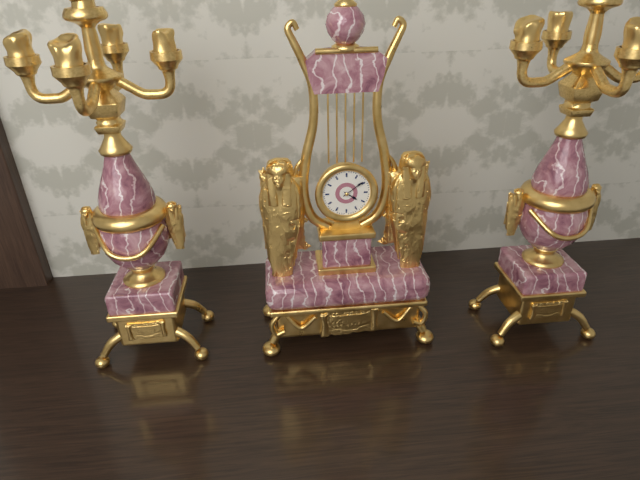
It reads 4:09
